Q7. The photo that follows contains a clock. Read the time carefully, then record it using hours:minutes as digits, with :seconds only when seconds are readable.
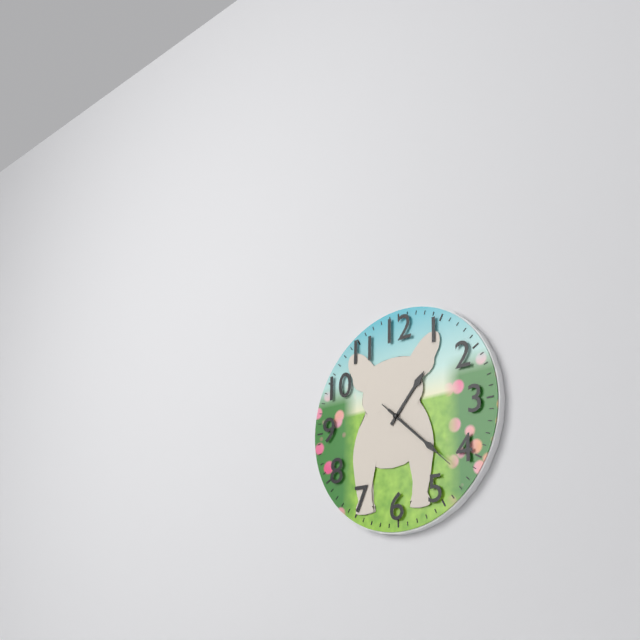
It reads 1:22:22
